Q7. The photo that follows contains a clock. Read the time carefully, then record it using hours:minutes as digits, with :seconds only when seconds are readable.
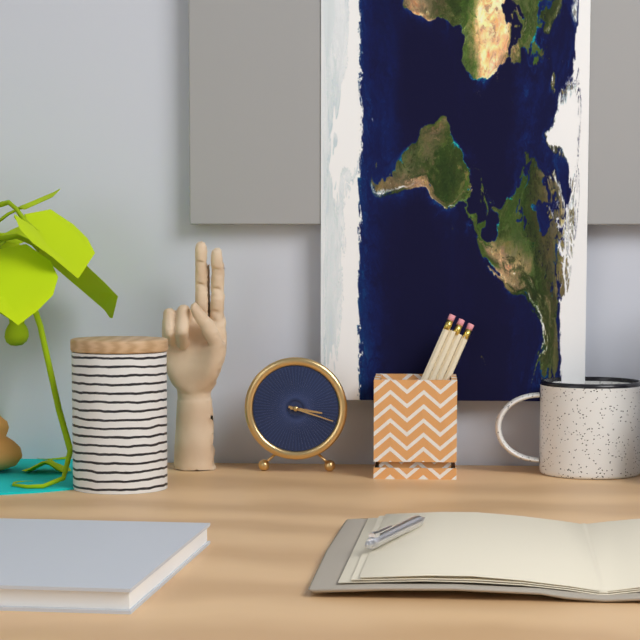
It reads 3:18
